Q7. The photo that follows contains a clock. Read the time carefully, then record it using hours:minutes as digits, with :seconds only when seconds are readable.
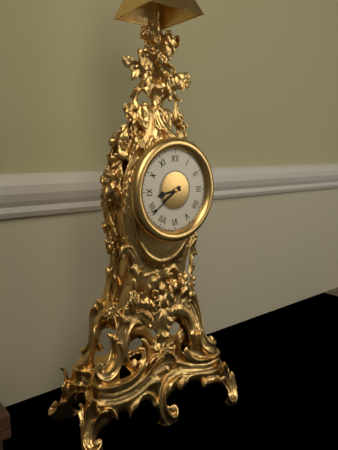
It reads 8:39
